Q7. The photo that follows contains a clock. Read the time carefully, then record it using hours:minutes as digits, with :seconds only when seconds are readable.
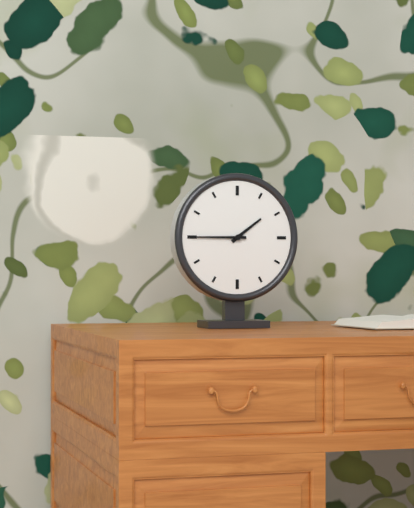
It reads 1:45
